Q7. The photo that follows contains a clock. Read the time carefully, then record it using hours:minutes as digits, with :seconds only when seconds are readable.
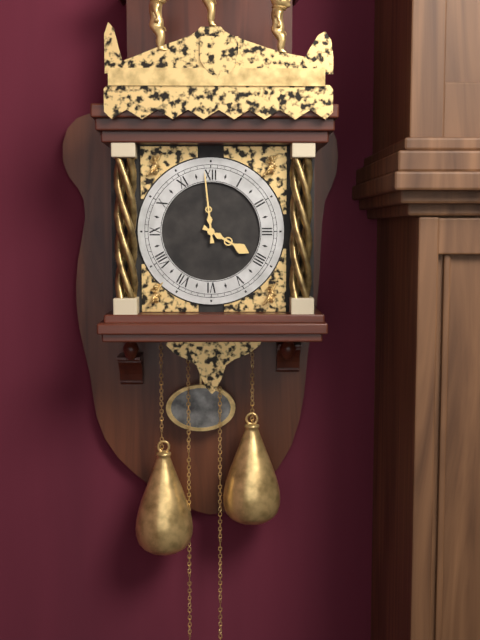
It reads 3:59
